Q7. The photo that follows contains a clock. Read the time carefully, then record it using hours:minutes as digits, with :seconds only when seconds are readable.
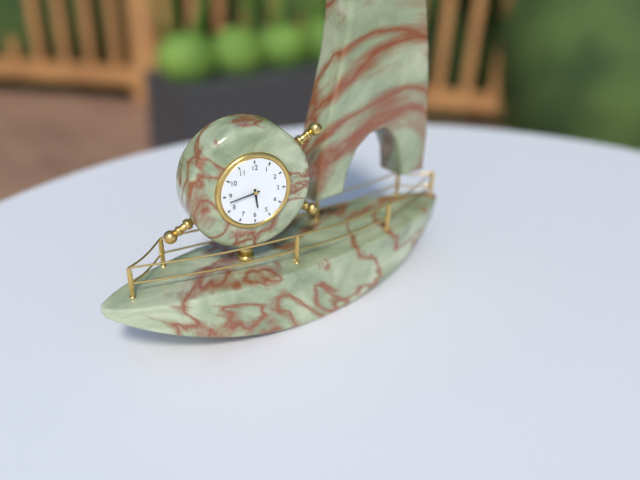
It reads 5:43
